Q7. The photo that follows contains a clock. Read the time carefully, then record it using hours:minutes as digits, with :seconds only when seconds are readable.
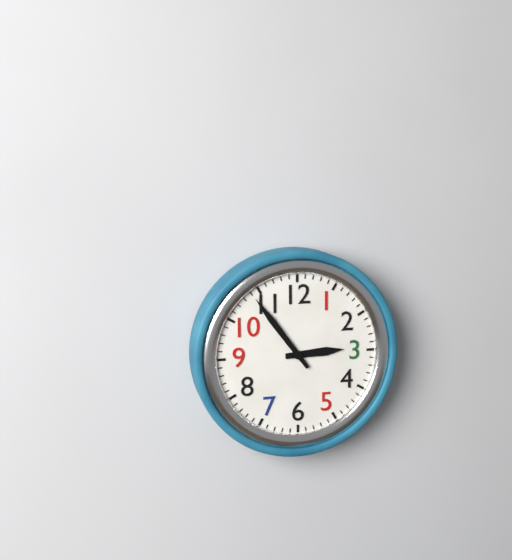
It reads 2:54
